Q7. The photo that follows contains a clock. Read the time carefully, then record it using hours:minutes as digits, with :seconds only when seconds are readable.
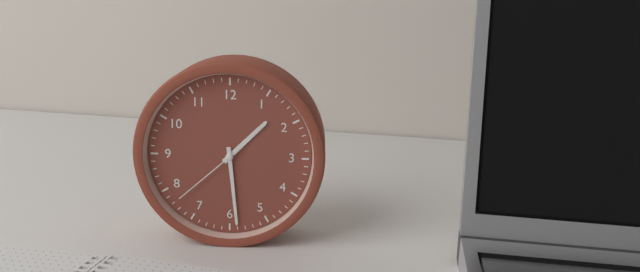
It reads 1:29:38
